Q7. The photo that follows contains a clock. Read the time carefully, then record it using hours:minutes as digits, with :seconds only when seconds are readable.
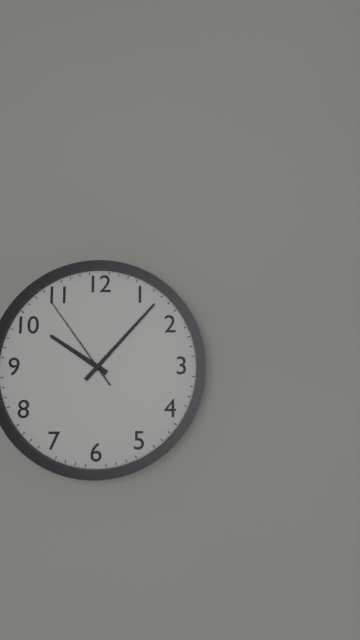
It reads 10:07:54
